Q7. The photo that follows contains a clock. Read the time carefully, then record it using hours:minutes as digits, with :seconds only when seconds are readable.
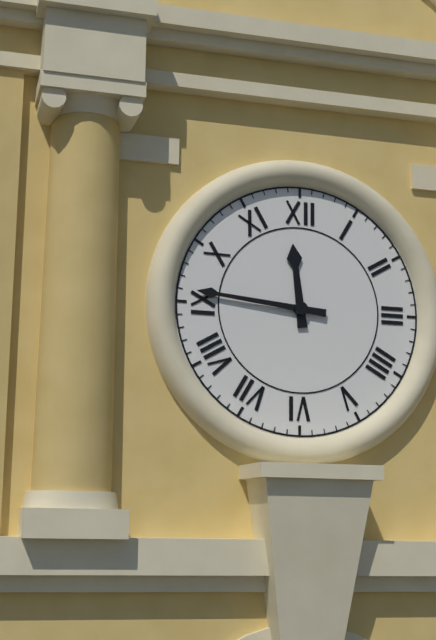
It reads 11:46
